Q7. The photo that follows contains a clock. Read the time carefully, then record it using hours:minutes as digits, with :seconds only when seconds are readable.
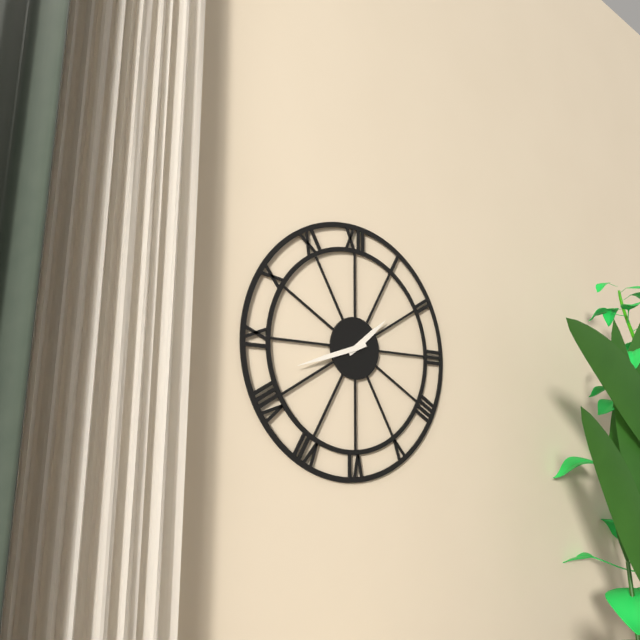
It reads 1:42
